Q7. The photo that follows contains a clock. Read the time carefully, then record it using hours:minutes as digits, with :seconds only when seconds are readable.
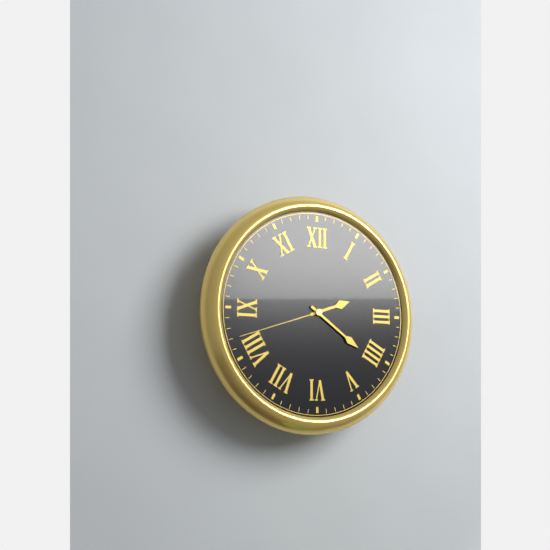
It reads 2:21:42
